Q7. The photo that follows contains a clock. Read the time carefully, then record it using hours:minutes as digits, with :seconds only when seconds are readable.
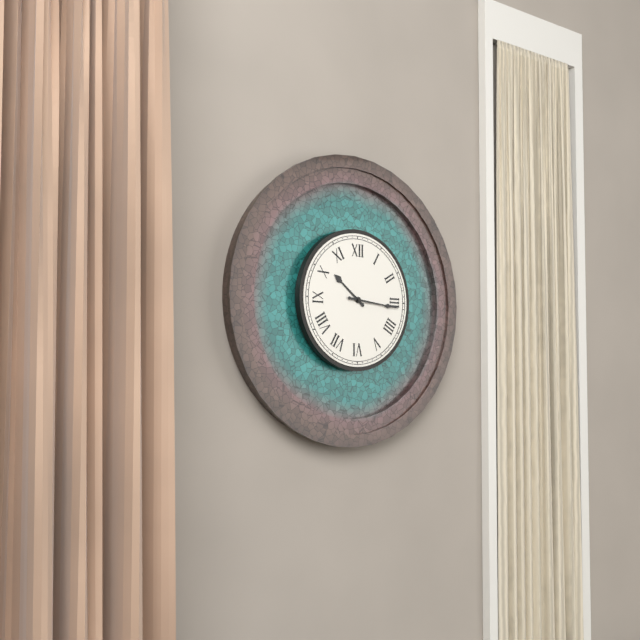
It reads 10:16
